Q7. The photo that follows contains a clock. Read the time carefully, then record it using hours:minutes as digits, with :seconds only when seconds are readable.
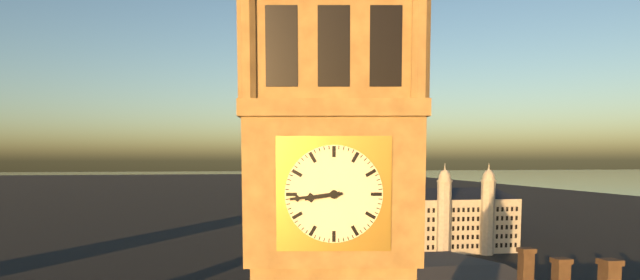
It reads 8:44
